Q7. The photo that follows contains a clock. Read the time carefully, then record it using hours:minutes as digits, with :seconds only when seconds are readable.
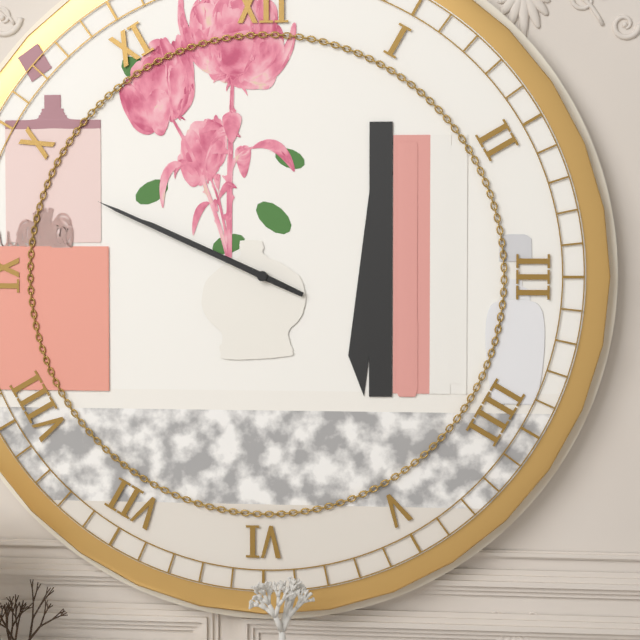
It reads 9:49
